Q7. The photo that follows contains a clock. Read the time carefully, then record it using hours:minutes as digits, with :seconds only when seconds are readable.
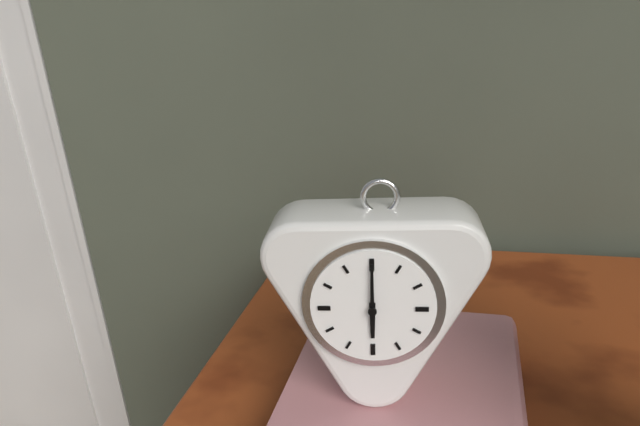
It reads 6:00
